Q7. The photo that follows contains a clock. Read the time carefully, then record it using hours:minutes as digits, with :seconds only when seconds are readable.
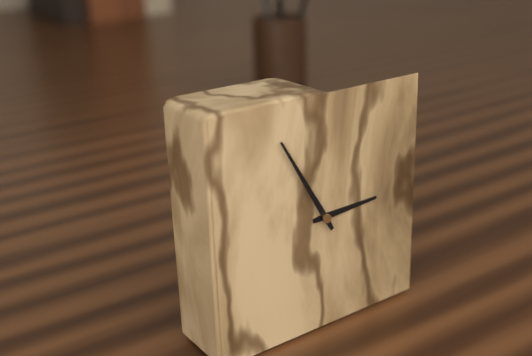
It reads 2:55
